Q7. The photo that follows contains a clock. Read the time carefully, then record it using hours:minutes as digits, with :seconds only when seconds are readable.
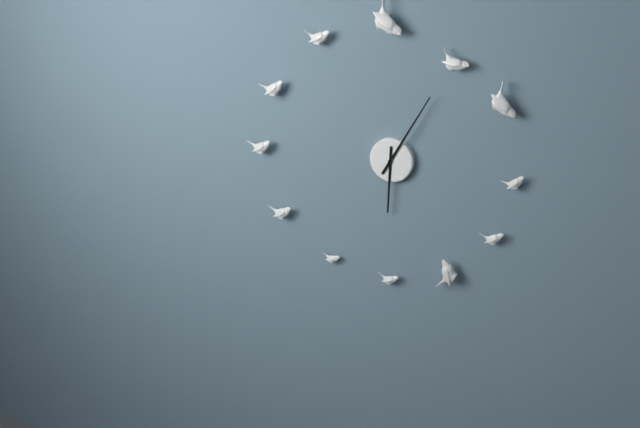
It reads 6:05
